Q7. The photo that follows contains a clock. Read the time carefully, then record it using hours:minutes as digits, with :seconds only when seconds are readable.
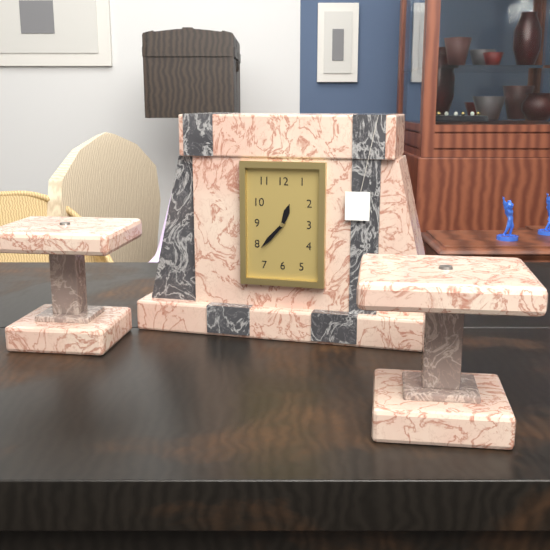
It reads 12:37
